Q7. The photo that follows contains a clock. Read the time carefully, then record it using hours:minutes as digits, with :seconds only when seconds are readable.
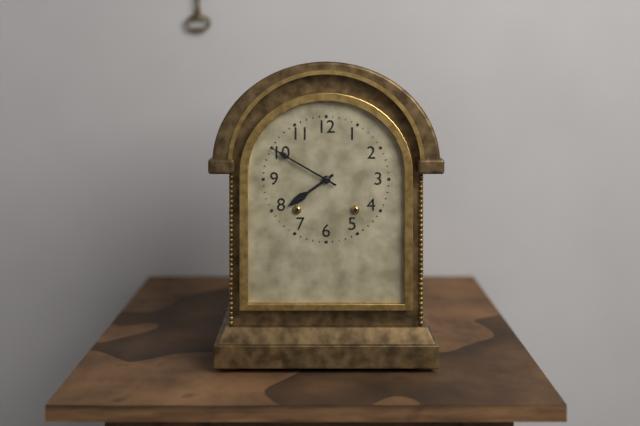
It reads 7:50
